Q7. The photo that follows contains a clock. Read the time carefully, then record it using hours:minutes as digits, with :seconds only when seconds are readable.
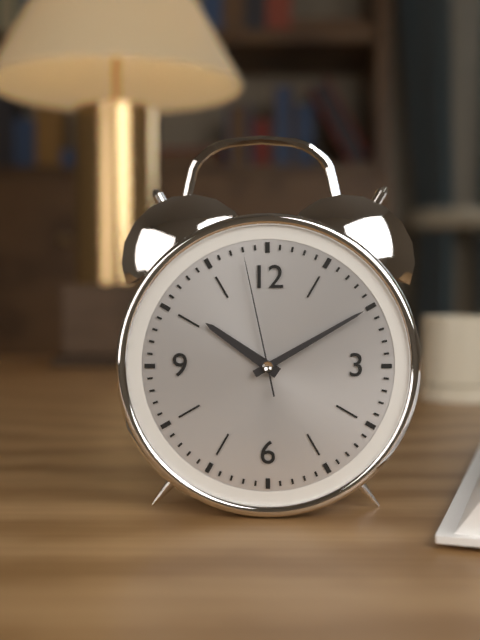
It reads 10:10:58
